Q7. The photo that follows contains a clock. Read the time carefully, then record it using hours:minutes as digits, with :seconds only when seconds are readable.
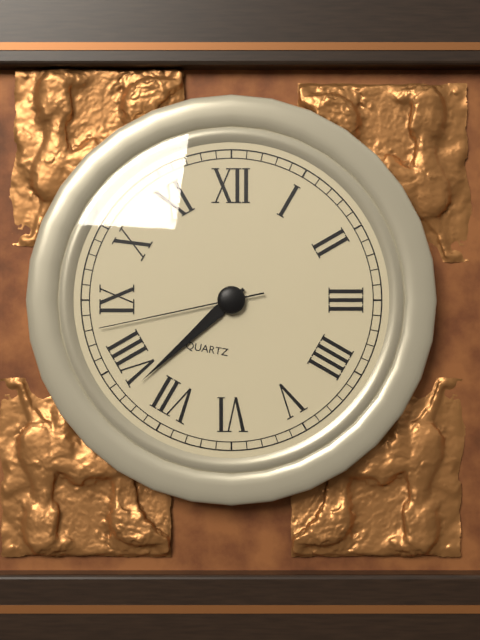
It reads 7:38:43
